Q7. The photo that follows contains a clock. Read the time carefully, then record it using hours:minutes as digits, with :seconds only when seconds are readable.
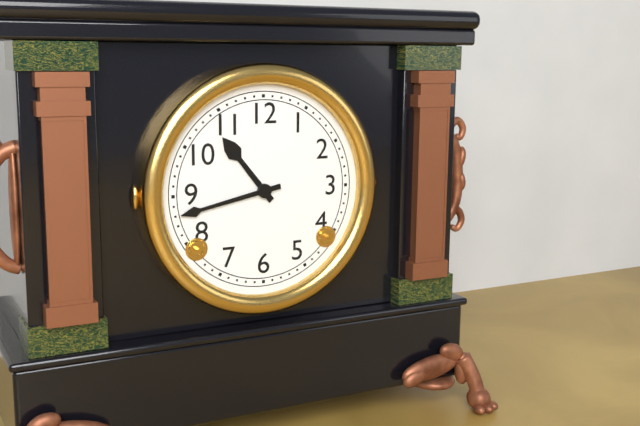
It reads 10:43
